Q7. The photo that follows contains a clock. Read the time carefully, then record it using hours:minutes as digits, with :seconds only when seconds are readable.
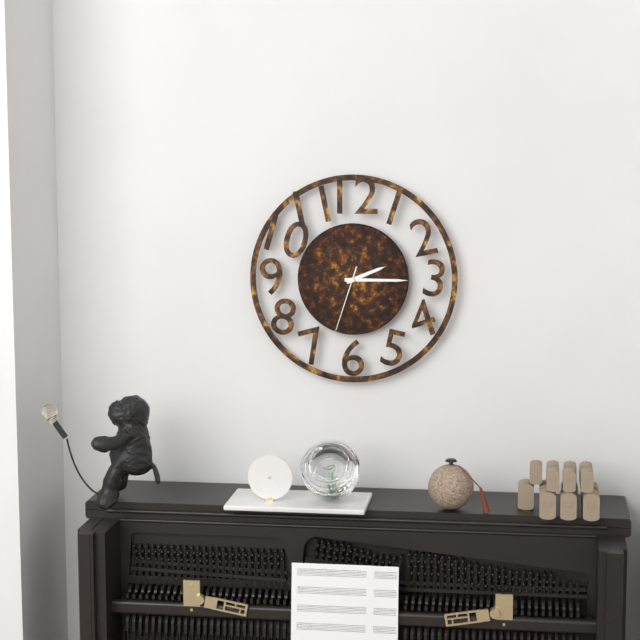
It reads 2:15:33
